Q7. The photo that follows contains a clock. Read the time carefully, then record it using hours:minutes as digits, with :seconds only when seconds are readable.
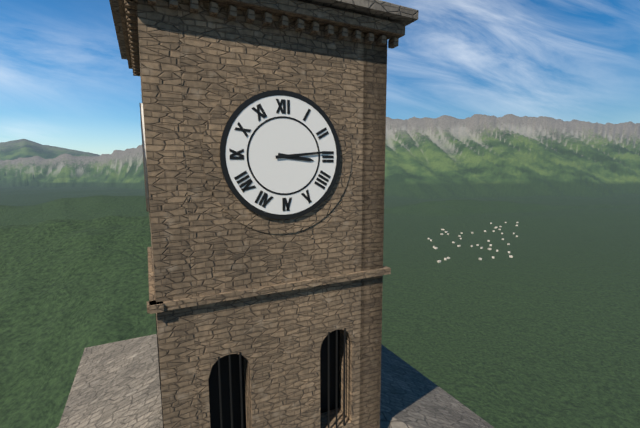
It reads 3:14
